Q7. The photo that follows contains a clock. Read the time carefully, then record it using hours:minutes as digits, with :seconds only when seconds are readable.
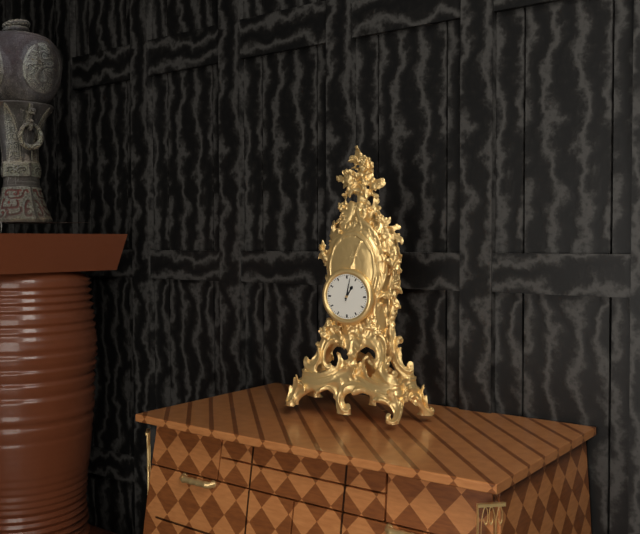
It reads 1:02
